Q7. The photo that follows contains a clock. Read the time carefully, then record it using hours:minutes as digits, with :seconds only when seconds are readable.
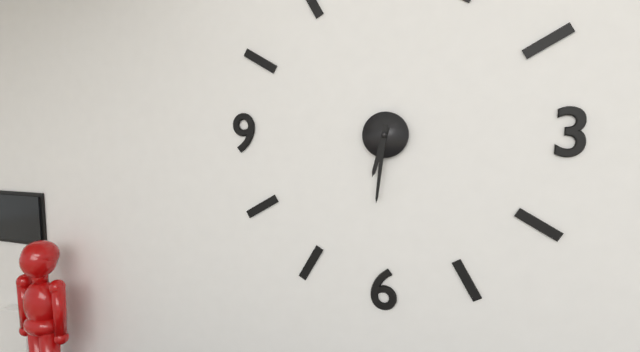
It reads 6:31
